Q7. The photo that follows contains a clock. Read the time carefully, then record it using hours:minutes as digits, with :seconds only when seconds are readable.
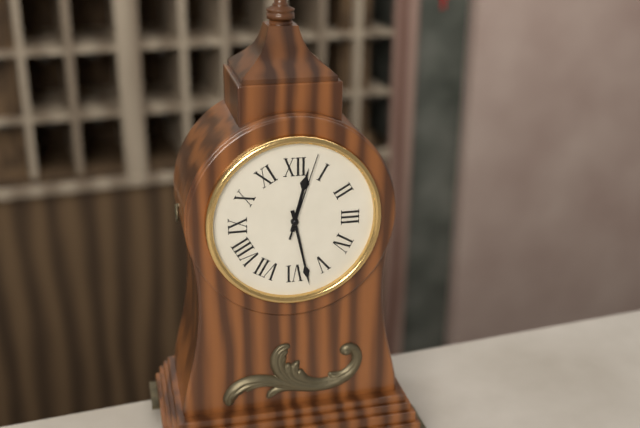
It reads 12:28:03
